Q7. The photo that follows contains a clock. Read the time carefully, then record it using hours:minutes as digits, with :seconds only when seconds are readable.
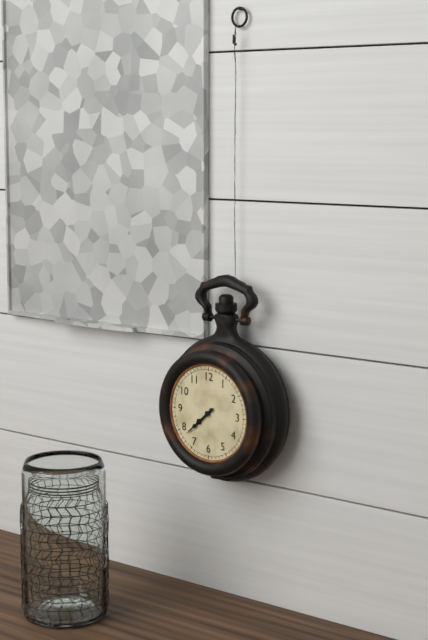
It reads 7:38
